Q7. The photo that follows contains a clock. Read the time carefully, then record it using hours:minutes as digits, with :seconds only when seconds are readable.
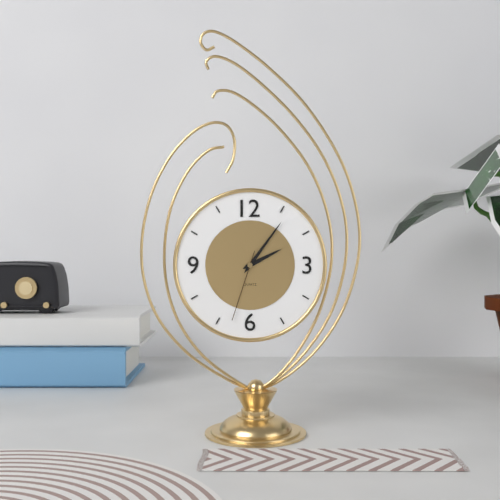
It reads 2:06:33
